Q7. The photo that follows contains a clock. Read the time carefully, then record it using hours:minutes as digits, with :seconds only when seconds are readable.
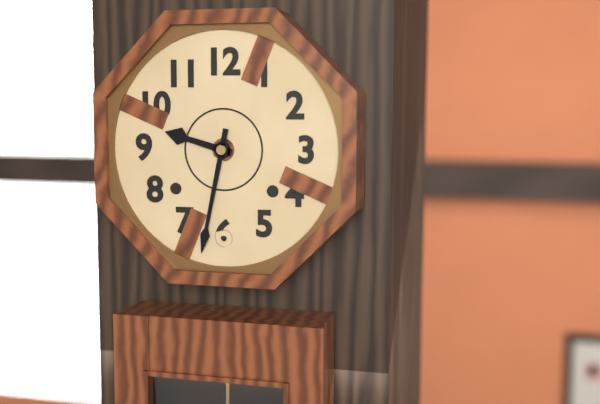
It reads 9:32
